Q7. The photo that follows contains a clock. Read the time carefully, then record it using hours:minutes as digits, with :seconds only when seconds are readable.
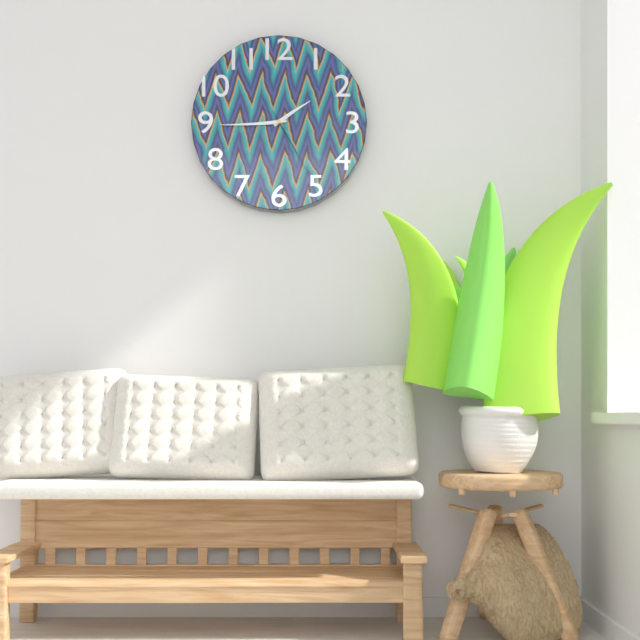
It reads 1:44:25
